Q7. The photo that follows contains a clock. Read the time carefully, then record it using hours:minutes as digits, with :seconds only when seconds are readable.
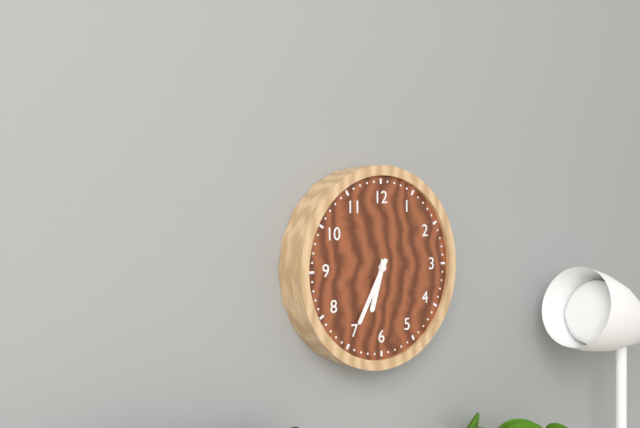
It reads 6:35
